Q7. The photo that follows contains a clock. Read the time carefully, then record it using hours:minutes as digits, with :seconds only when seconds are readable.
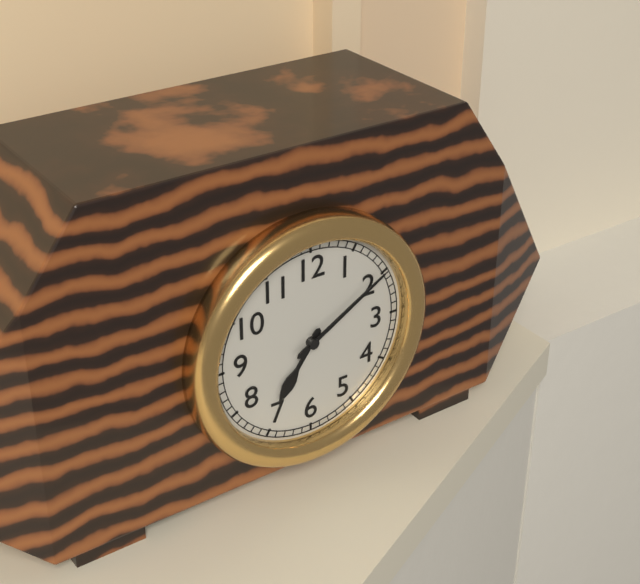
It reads 7:10
